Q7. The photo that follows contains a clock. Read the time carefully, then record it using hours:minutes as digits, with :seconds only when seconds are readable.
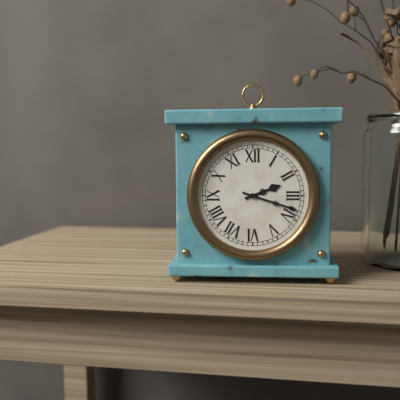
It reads 2:18
